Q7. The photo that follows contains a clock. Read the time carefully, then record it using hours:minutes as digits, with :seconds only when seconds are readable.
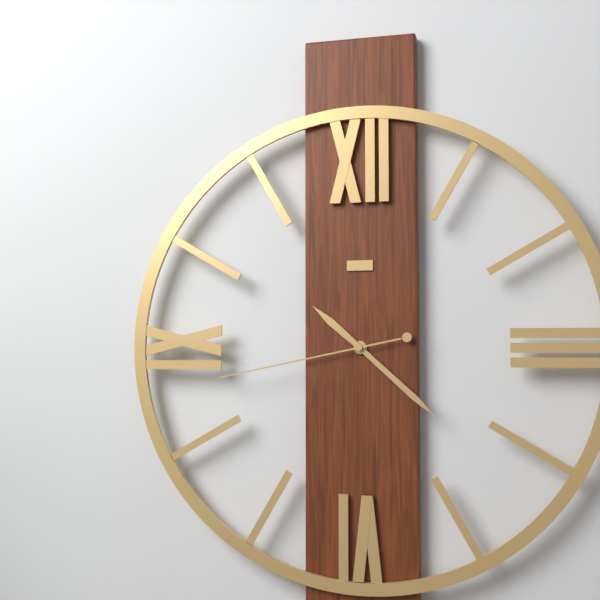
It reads 10:22:43
